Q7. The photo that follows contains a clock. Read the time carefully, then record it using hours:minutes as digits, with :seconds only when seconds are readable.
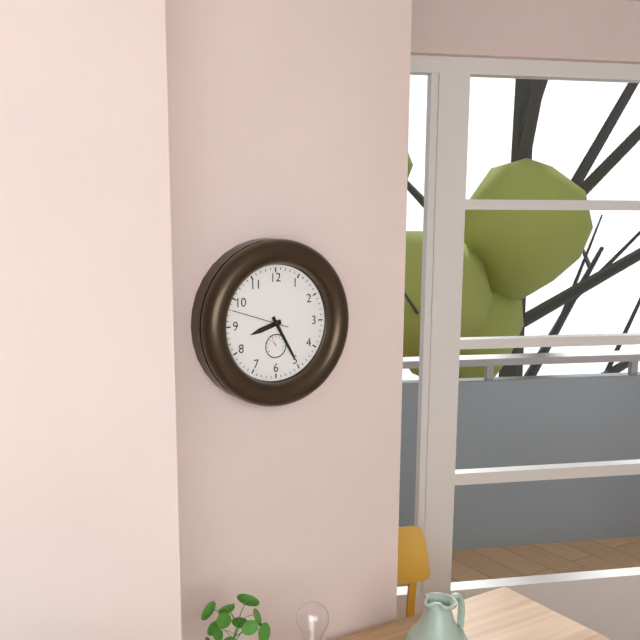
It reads 8:25:48
